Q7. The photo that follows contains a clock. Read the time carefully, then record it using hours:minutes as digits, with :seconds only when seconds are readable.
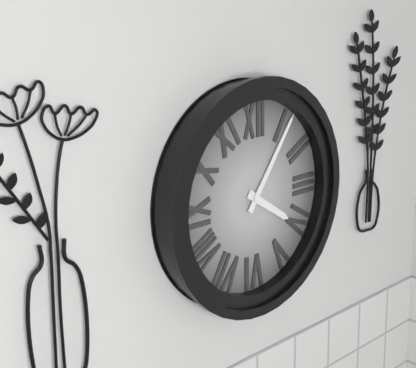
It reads 4:06
